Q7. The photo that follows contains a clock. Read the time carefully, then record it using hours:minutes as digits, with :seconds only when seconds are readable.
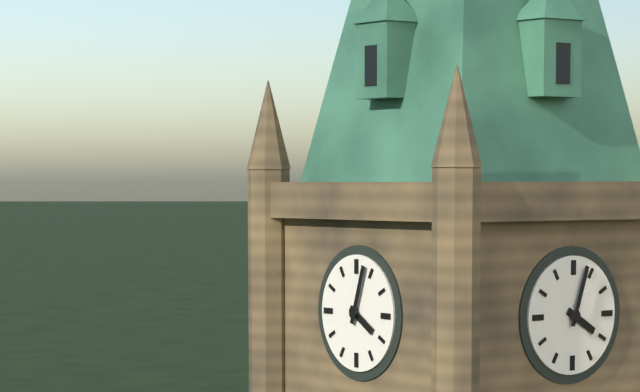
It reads 4:03
